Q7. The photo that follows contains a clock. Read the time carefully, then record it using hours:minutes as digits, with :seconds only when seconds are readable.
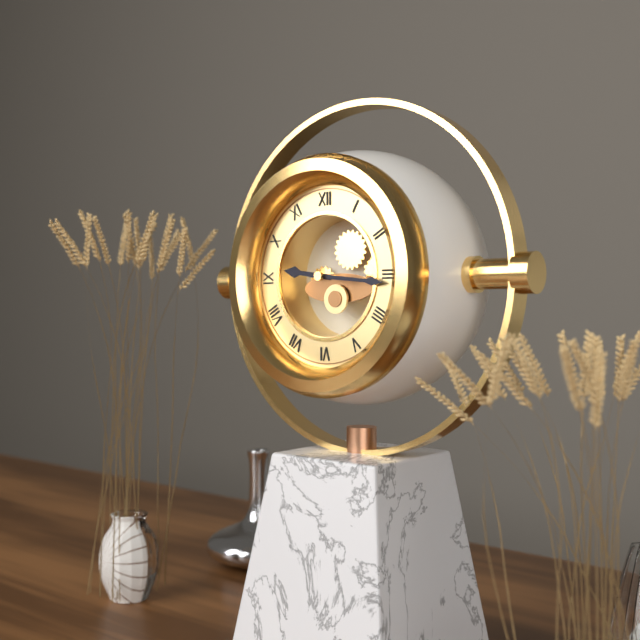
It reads 9:16
